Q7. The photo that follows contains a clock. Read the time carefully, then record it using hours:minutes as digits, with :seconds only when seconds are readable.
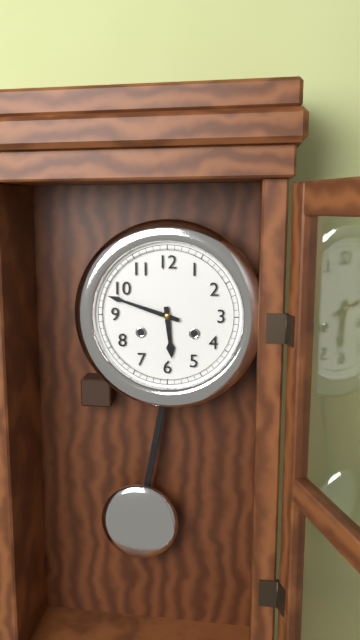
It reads 5:48
